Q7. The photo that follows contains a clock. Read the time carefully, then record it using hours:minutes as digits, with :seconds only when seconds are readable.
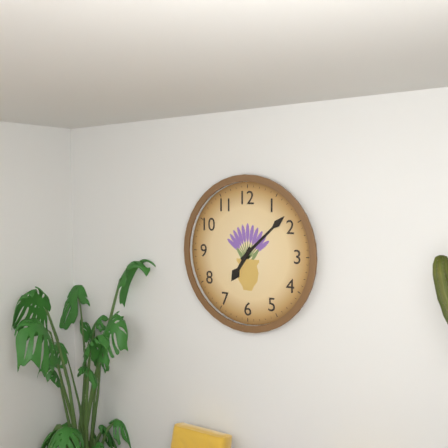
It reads 7:08
